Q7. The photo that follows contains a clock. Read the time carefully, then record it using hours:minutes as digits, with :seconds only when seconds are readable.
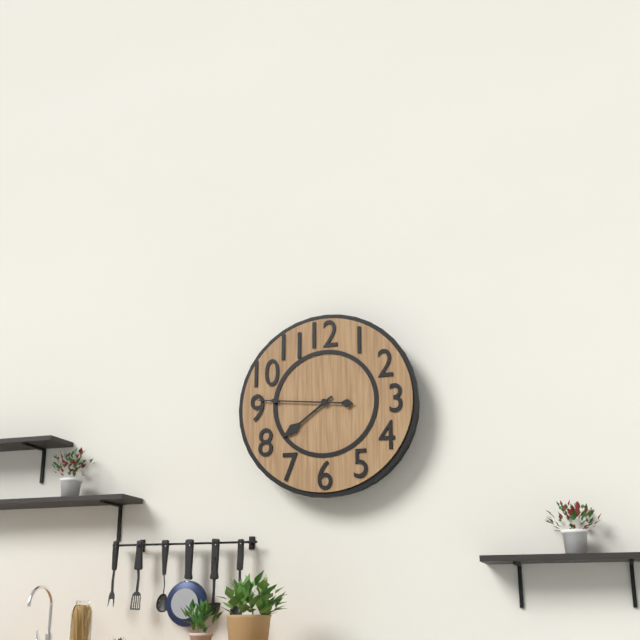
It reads 7:46
